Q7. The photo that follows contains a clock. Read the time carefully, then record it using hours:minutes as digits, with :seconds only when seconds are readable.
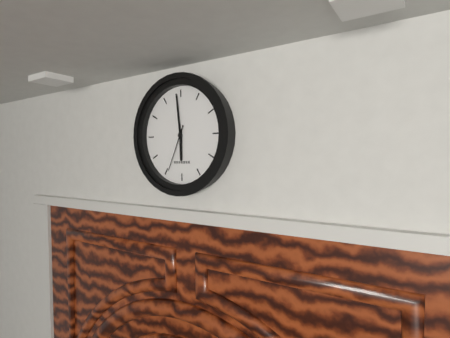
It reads 5:59
